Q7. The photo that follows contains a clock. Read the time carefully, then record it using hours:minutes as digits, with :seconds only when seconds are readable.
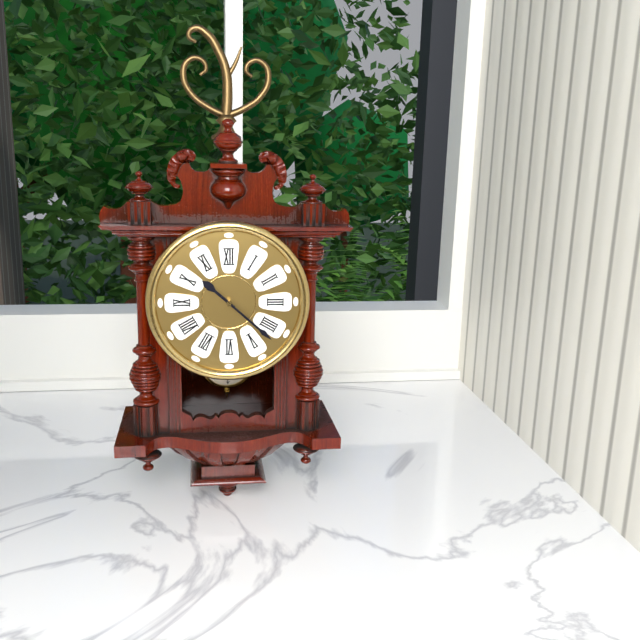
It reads 10:22
